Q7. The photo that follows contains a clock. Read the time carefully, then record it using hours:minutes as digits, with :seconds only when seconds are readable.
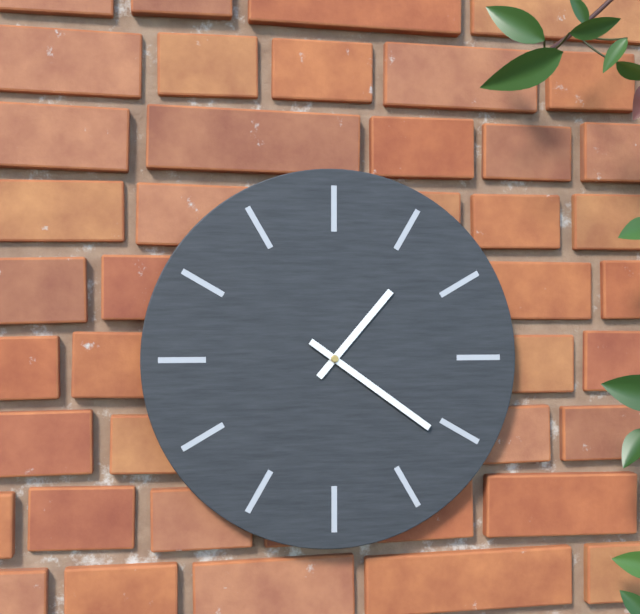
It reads 1:21
